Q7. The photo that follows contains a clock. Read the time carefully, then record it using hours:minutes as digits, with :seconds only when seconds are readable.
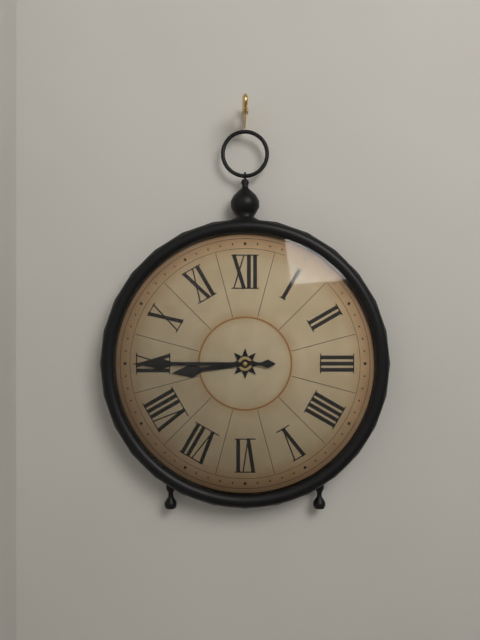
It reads 8:45
